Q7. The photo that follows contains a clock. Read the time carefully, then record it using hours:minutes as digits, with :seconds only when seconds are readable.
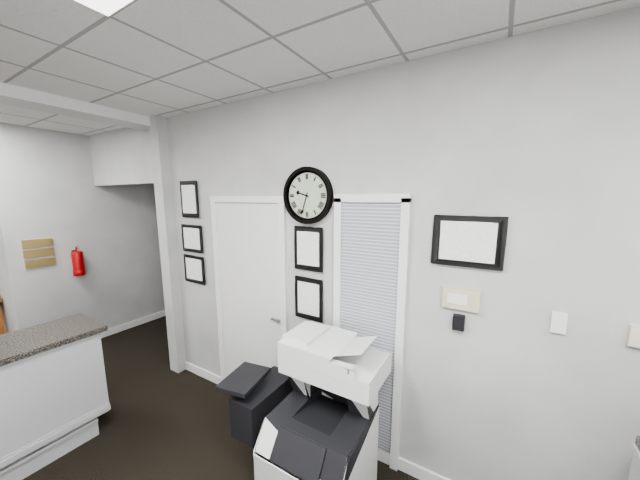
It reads 9:33
